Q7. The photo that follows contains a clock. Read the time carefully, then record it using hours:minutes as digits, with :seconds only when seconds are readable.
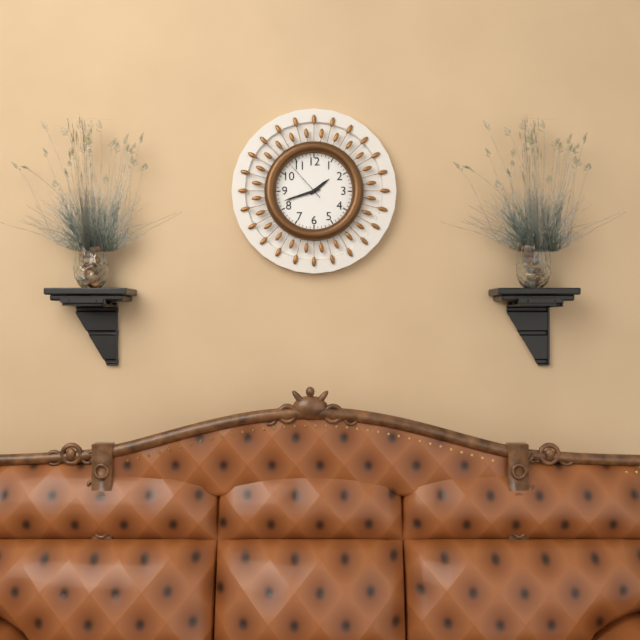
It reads 1:42
